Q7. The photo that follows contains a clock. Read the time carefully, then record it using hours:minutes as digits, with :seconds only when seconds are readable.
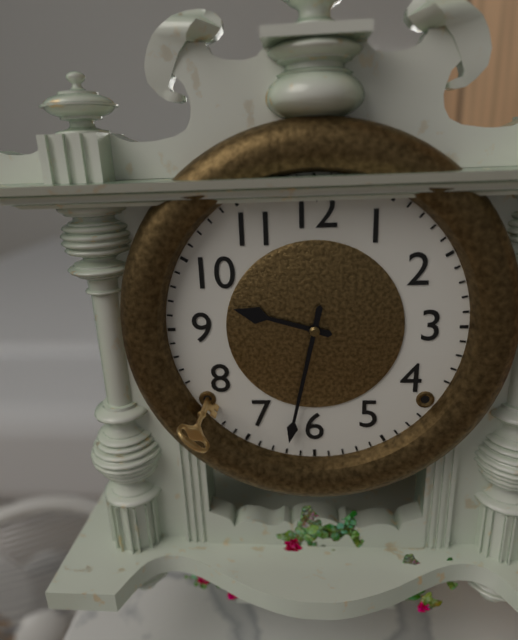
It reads 9:32
